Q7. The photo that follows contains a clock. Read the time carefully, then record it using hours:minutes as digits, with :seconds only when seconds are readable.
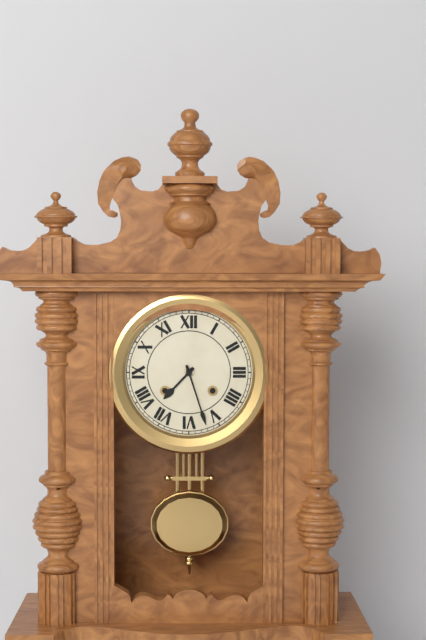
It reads 7:27
